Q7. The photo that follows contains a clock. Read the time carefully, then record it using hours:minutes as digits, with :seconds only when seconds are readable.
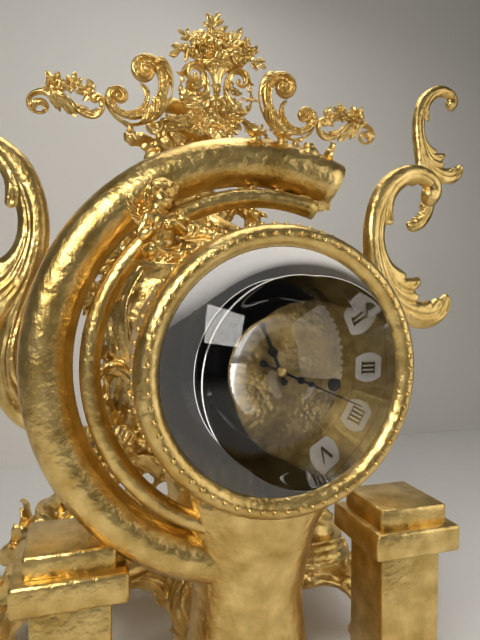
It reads 11:19
